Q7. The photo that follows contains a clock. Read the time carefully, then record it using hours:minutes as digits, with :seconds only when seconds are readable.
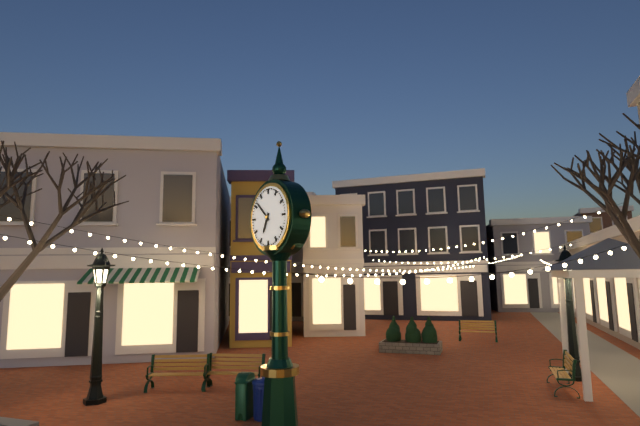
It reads 6:52
